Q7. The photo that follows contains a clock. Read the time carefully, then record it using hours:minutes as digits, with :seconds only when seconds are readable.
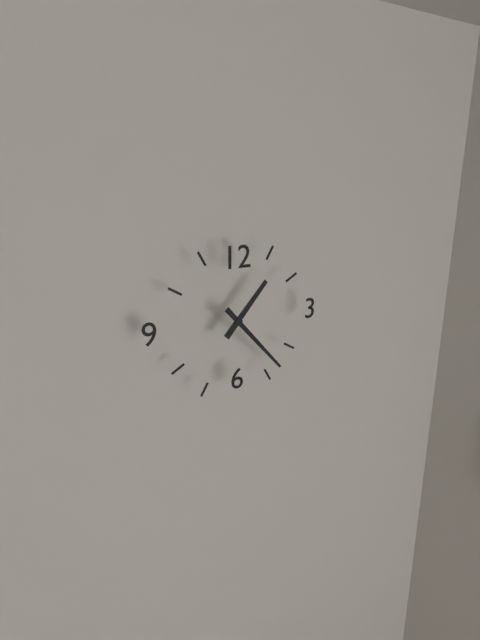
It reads 1:23
